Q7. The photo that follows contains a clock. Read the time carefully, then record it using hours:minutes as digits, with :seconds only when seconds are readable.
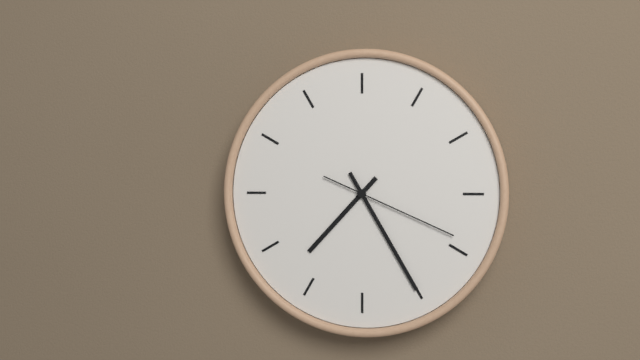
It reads 7:25:19
